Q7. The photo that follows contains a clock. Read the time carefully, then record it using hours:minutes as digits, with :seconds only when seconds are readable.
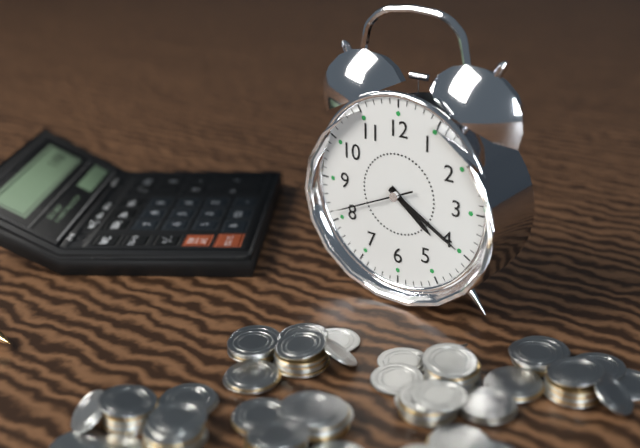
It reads 4:20:41
